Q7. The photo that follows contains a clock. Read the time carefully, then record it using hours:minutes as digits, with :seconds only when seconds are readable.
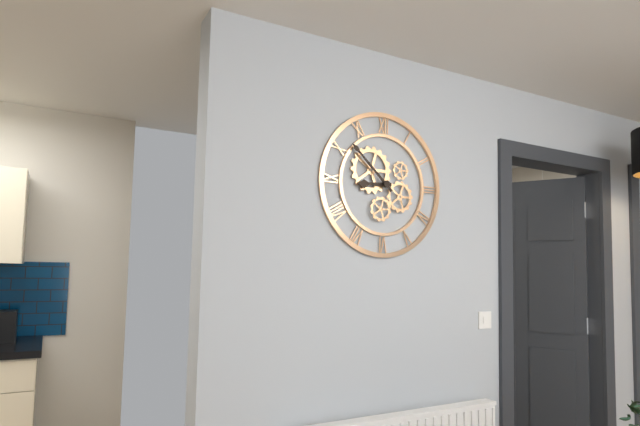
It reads 8:52
